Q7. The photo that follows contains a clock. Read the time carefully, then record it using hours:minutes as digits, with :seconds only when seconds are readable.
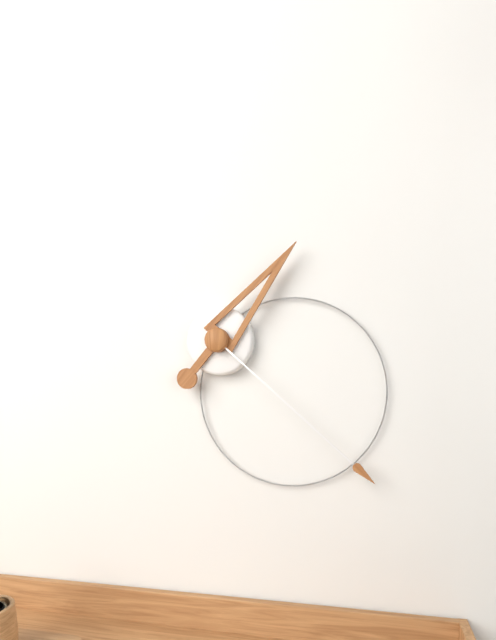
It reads 1:22
